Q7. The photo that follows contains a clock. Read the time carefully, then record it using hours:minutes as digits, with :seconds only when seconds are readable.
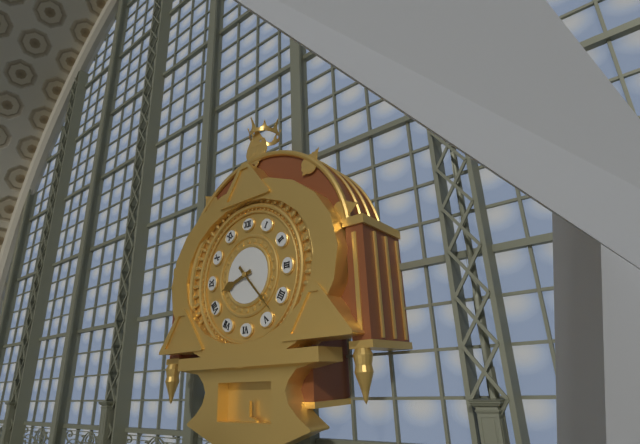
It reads 8:23
